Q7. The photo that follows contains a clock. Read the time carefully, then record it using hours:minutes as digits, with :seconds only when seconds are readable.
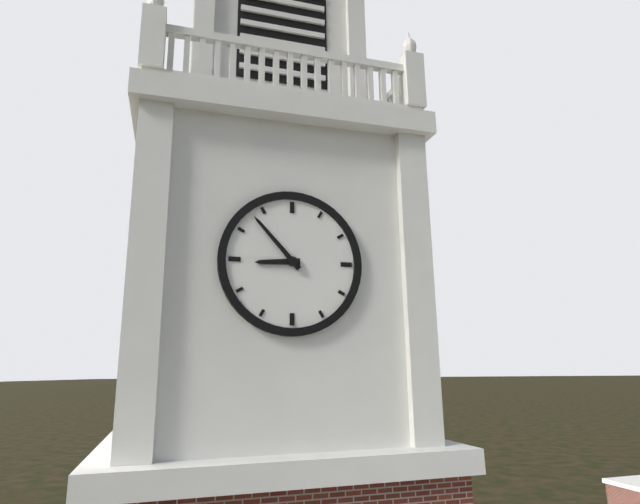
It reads 8:53
